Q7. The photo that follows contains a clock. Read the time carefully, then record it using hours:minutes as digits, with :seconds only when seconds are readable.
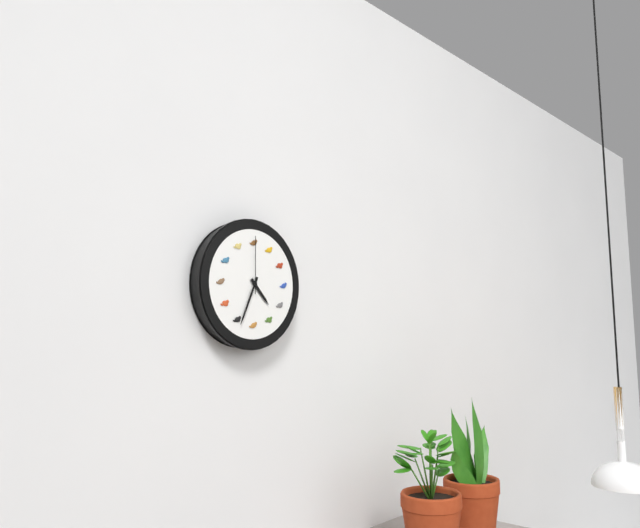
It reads 4:34:00
